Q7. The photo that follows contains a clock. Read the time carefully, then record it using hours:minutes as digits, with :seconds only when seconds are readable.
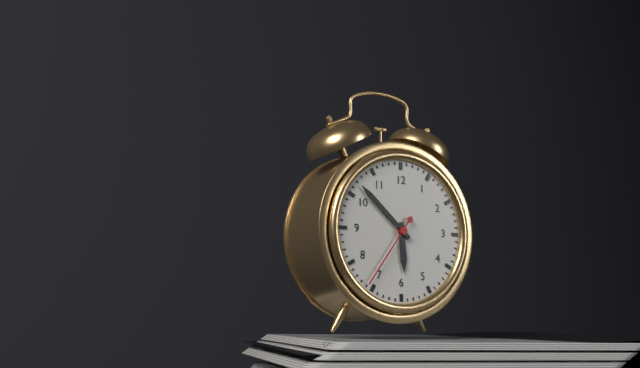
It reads 5:52:36
